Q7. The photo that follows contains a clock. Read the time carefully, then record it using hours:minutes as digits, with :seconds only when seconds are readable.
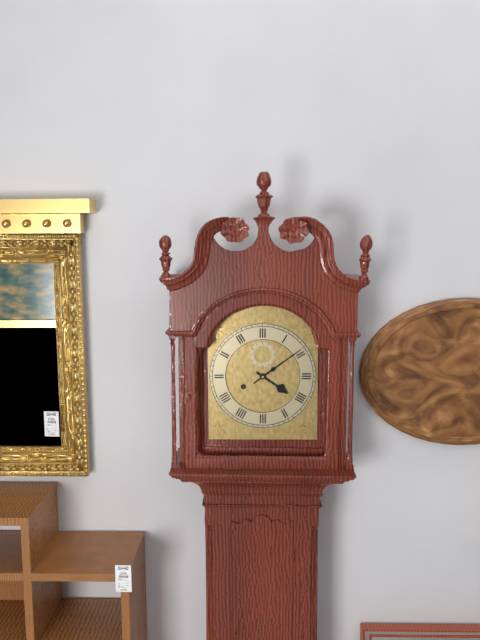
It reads 4:09
